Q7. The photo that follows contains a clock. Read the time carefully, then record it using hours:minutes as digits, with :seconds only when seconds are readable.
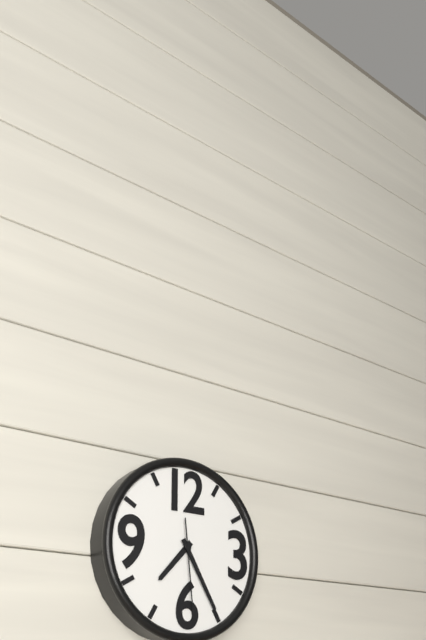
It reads 7:25:29
